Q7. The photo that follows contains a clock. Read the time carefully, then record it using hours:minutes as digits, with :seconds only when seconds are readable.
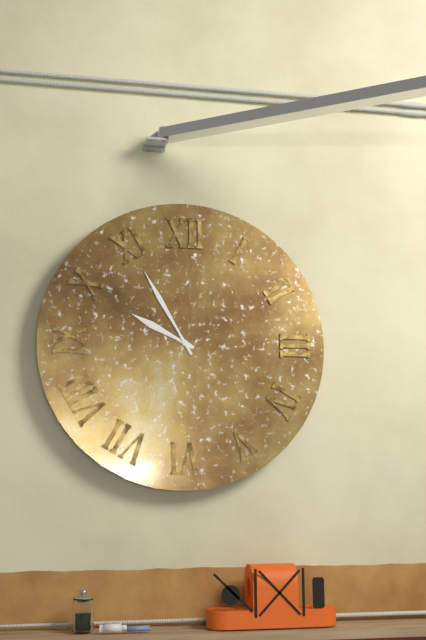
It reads 9:55
